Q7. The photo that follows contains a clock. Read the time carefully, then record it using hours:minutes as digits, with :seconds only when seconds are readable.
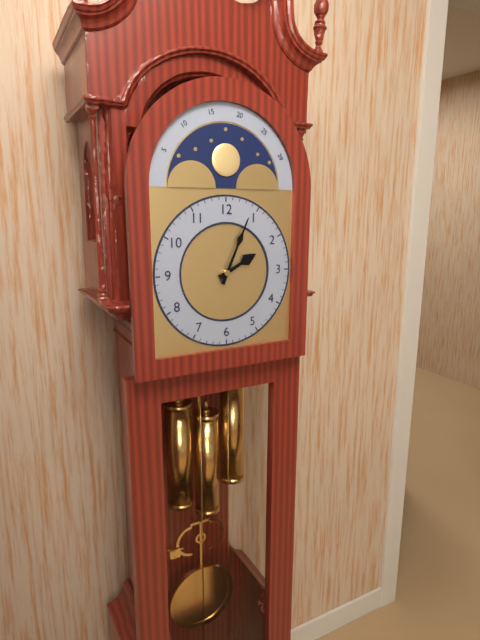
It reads 2:04
